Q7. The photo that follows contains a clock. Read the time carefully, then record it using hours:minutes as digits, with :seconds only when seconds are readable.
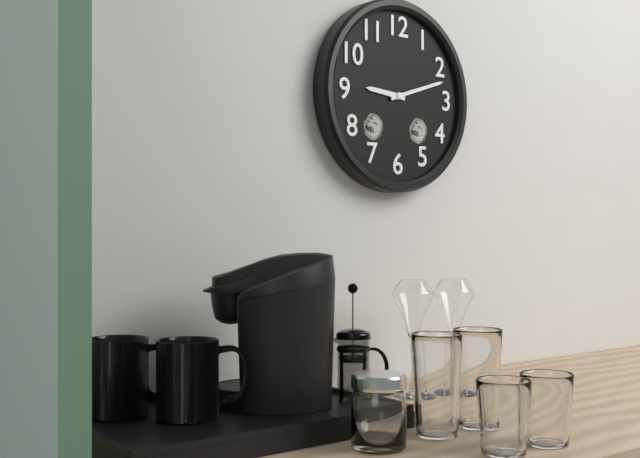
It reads 9:12
